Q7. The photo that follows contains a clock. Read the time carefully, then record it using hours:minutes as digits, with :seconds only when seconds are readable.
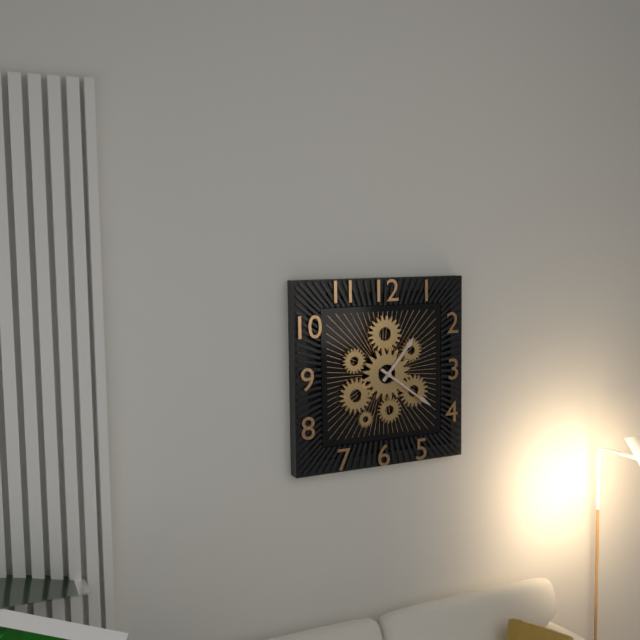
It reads 1:21
